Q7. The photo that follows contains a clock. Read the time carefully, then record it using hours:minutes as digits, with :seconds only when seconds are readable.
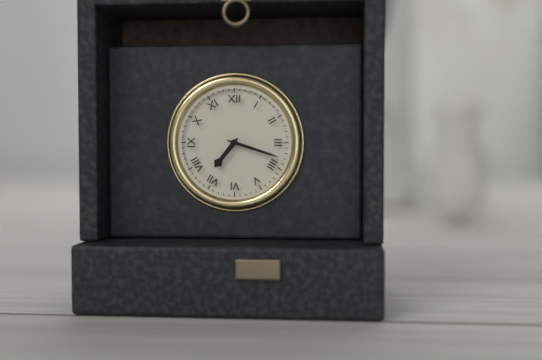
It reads 7:18
